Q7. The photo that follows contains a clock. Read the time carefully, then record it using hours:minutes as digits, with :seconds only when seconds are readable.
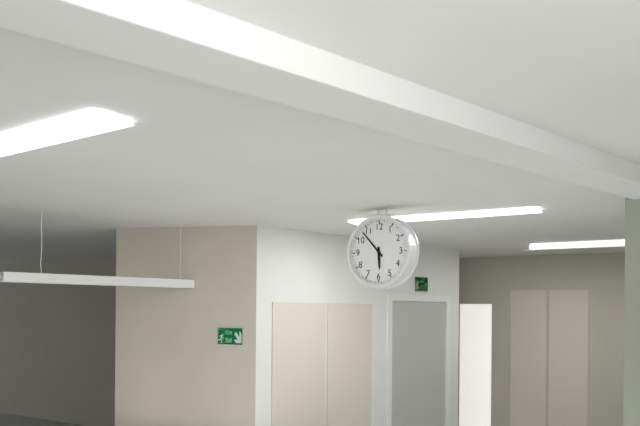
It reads 5:53
